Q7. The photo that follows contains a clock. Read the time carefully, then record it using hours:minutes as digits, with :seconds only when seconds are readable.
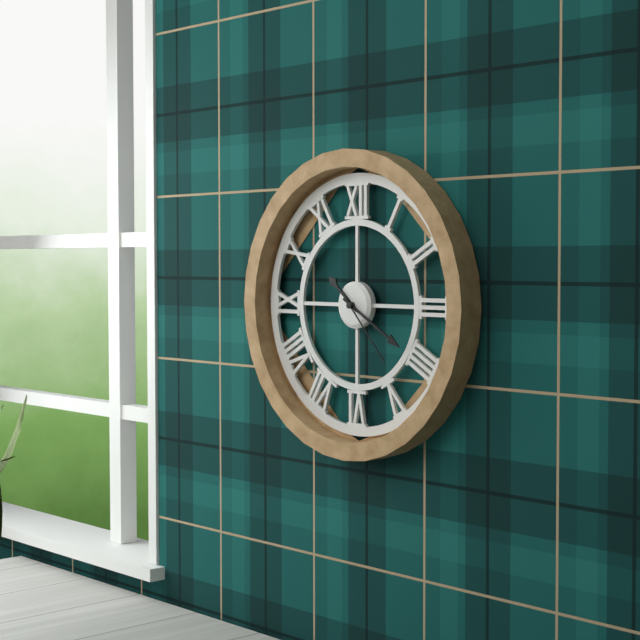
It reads 10:20:23
